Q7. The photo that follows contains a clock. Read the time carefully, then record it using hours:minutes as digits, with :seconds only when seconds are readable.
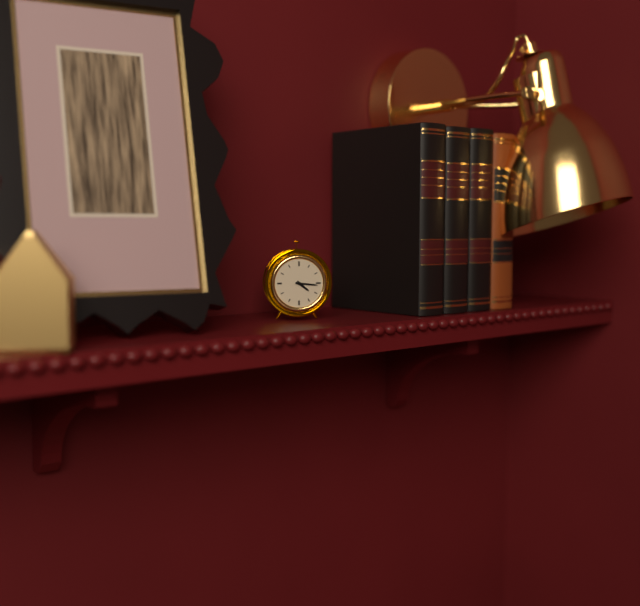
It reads 4:16
